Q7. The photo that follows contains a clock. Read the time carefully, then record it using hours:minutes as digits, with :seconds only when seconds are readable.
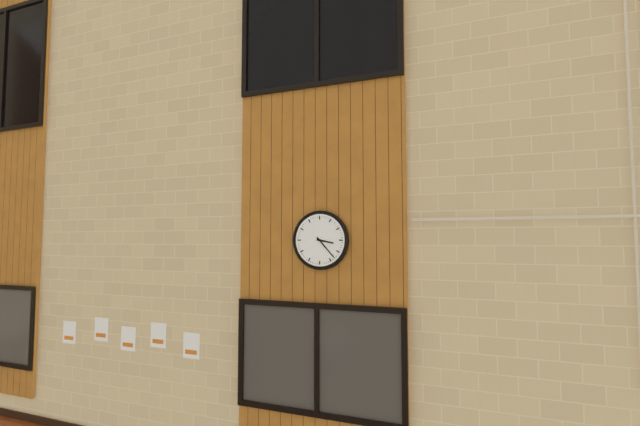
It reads 3:23
